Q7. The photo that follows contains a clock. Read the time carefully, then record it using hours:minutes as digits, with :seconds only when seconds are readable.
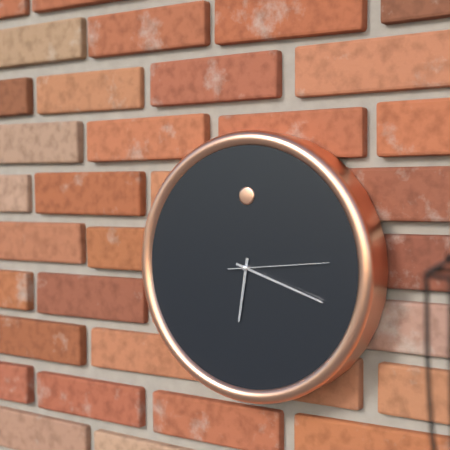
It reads 6:18:14
